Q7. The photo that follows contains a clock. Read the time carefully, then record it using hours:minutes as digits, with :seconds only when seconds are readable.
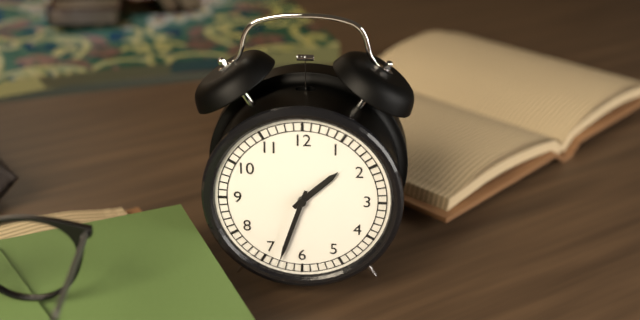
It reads 1:33
